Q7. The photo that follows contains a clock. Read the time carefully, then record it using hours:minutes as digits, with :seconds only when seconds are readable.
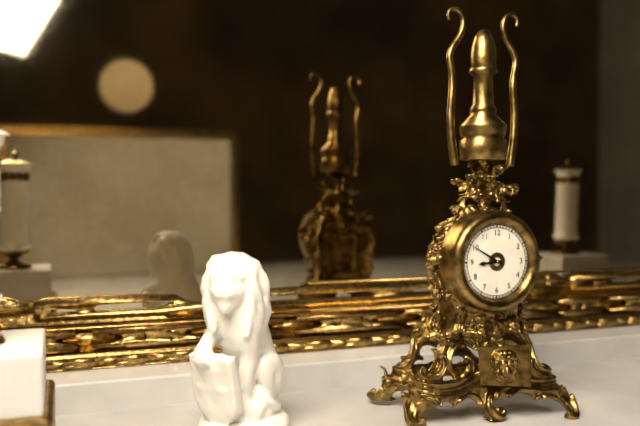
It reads 8:50
